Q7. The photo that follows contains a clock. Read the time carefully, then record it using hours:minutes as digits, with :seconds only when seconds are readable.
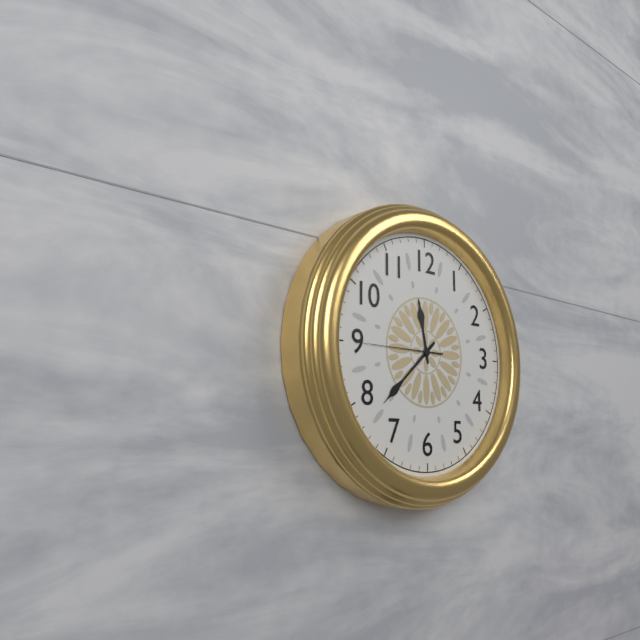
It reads 11:38:45
